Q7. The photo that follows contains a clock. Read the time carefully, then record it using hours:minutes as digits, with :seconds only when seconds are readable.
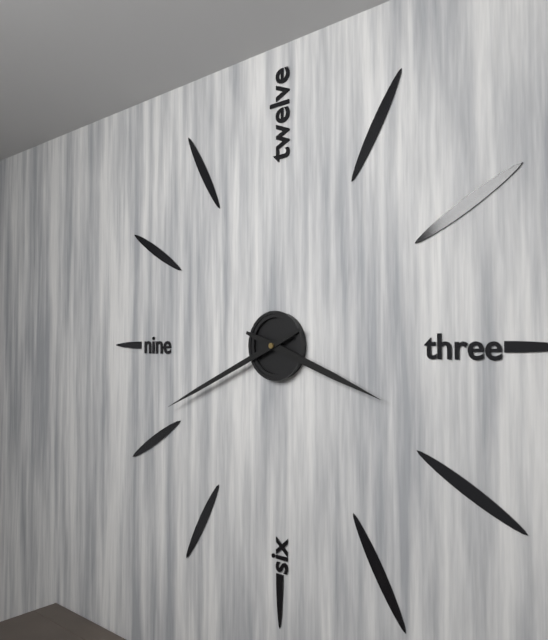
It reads 3:41
